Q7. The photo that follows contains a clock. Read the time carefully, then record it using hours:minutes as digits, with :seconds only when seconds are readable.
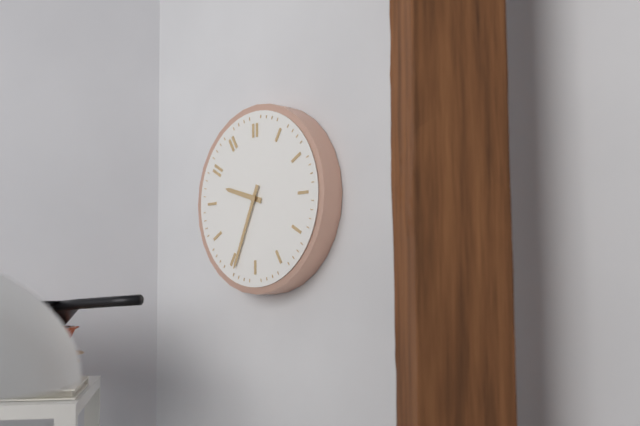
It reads 9:34
